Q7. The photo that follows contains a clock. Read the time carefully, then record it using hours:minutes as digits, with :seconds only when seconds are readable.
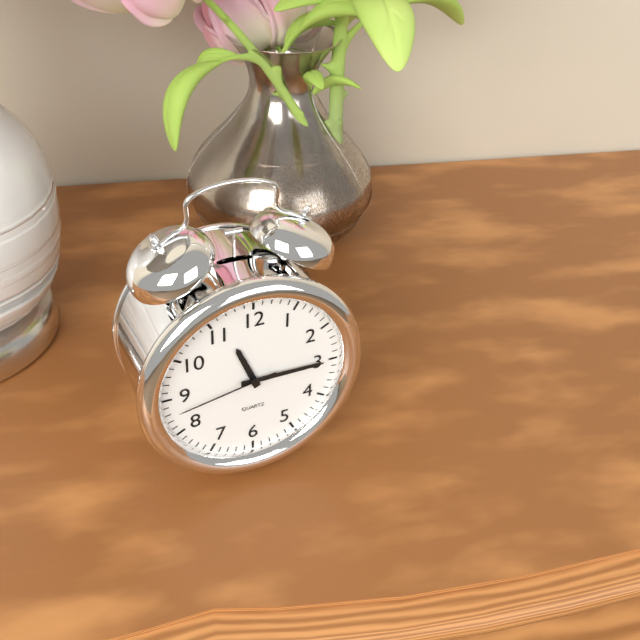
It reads 11:15:43
